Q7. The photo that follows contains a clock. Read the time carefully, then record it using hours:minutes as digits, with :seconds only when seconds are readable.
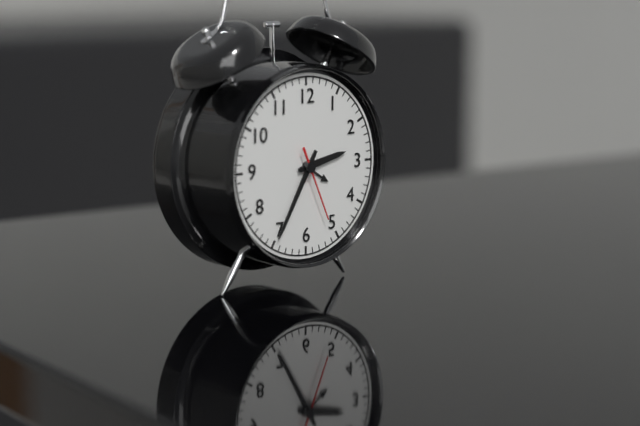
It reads 2:35:26
